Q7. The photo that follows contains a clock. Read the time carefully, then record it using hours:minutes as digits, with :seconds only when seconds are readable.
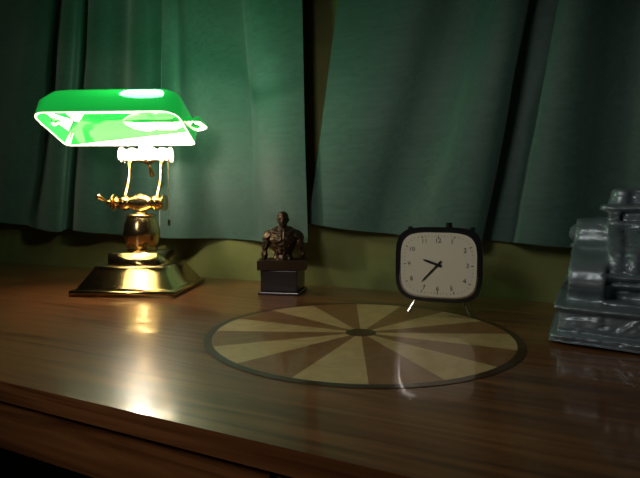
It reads 9:37
